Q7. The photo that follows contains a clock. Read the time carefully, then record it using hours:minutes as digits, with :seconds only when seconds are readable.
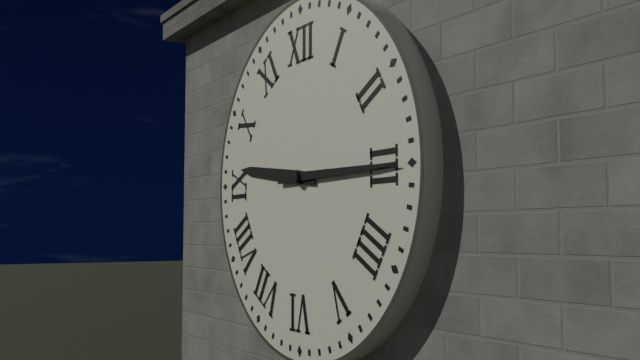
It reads 9:15
